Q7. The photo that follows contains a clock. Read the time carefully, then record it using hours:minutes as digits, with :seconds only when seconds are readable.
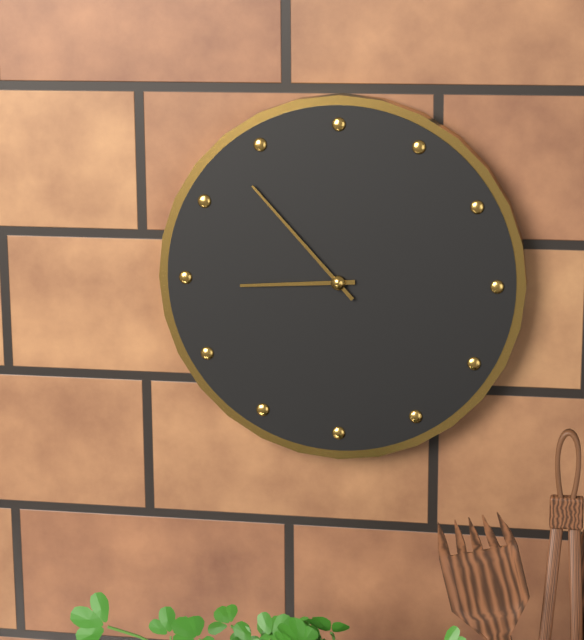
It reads 8:53
